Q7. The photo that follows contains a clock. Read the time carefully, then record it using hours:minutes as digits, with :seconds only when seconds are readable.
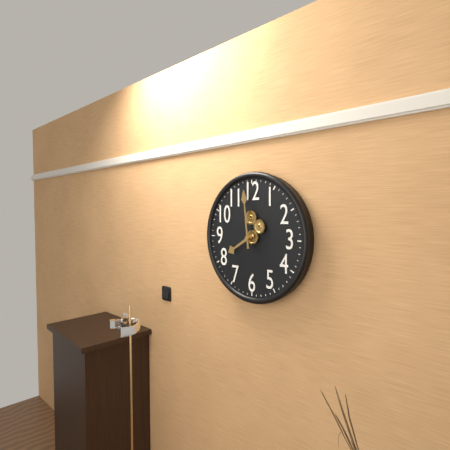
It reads 7:59
